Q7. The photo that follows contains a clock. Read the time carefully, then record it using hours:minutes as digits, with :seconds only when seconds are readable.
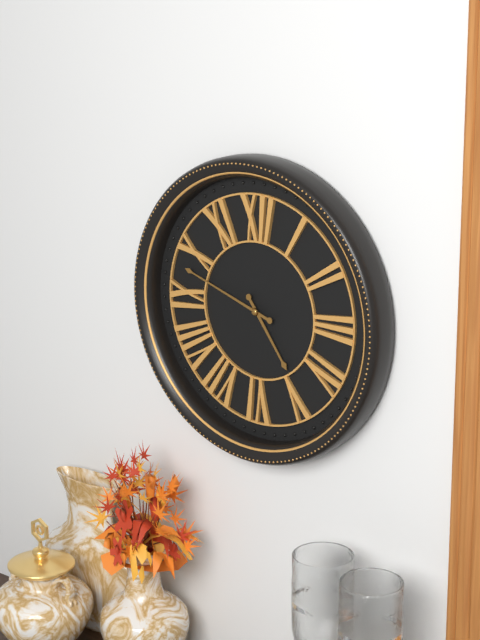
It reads 4:48
